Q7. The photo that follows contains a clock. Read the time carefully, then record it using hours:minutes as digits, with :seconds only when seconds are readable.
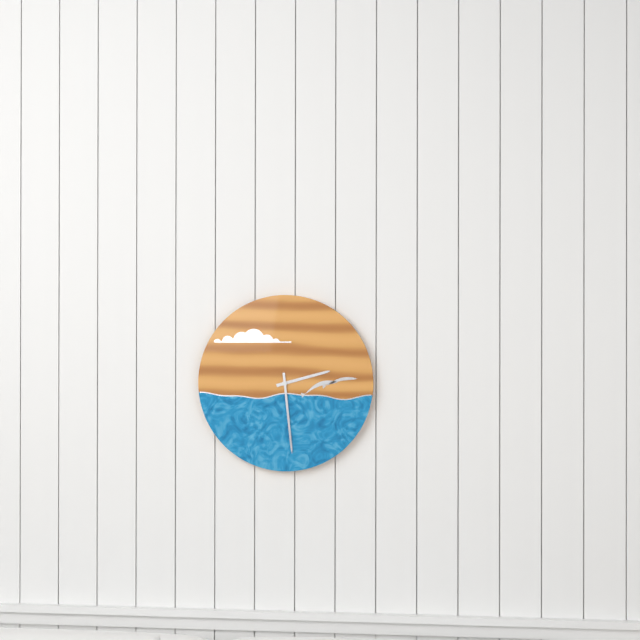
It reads 2:29
